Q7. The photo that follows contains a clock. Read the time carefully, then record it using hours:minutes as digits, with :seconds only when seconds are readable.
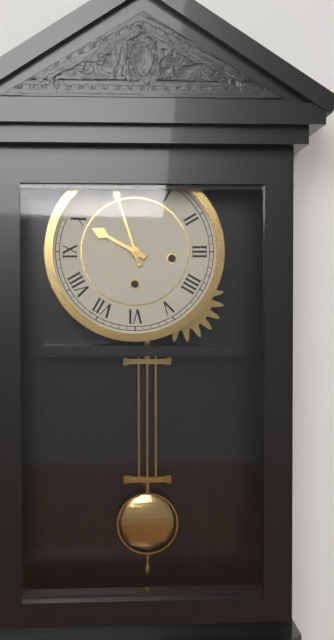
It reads 9:57
